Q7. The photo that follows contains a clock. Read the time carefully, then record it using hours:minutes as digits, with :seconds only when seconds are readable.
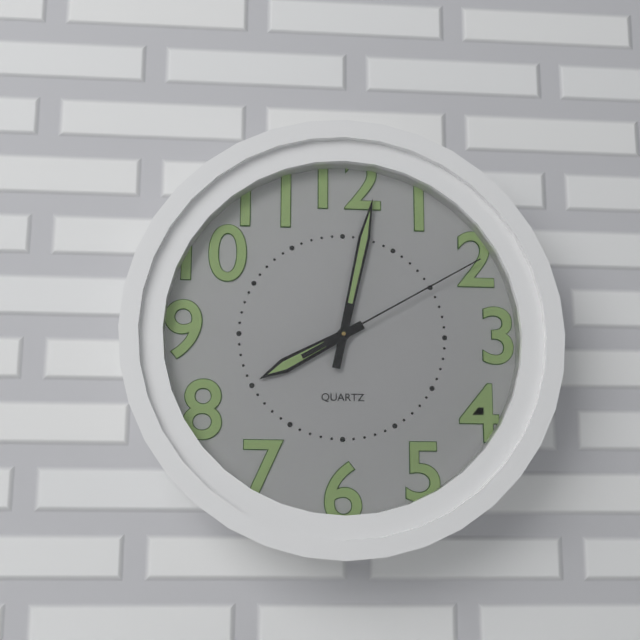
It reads 8:02:10
